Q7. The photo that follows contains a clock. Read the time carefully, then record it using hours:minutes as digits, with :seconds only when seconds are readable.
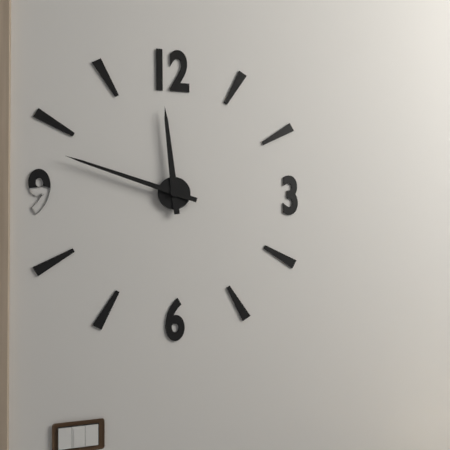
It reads 11:48
